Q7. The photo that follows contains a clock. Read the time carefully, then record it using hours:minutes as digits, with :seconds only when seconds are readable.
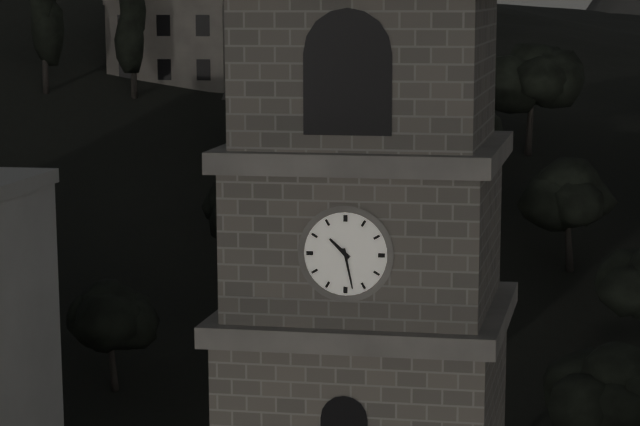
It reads 10:28
